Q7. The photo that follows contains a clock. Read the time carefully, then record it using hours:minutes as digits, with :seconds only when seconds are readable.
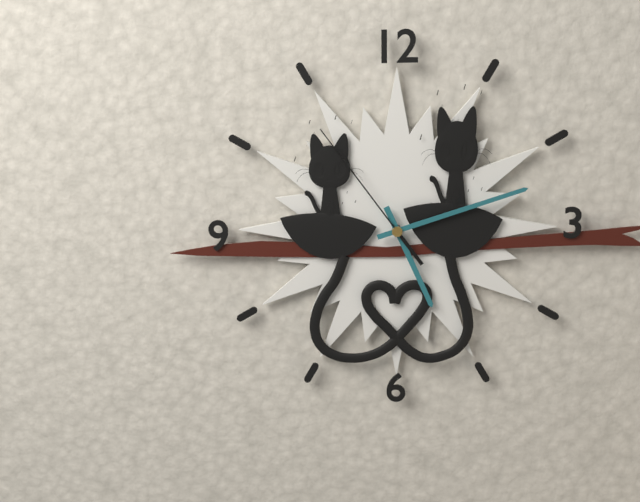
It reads 5:12:54
